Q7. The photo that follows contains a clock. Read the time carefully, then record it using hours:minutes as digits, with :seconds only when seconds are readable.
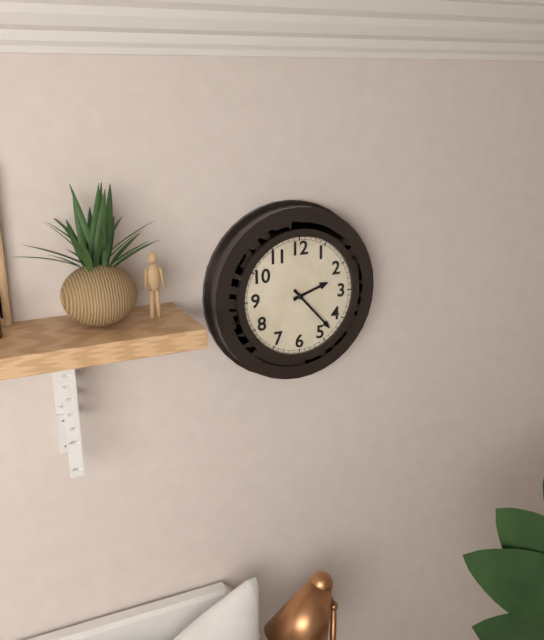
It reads 2:23
